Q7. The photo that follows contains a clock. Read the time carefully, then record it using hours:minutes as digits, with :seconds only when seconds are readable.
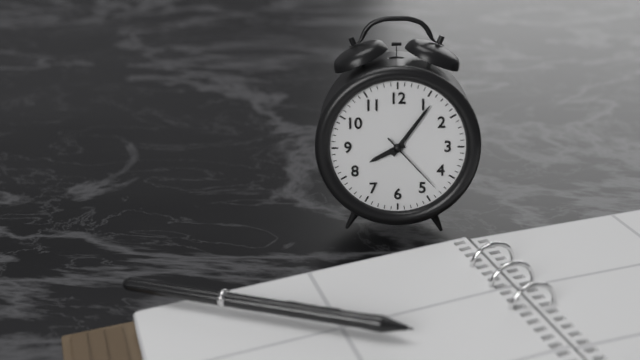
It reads 8:06:23
